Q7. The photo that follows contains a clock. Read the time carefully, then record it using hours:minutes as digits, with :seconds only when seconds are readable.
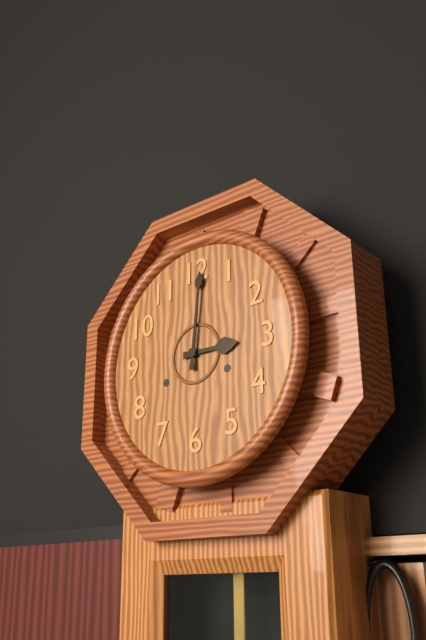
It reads 3:01
